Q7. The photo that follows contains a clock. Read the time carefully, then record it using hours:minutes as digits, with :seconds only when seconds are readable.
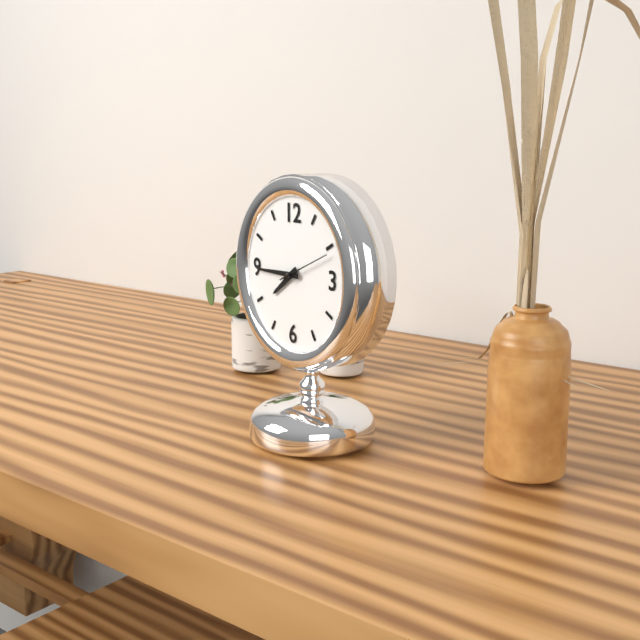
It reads 7:45:11
